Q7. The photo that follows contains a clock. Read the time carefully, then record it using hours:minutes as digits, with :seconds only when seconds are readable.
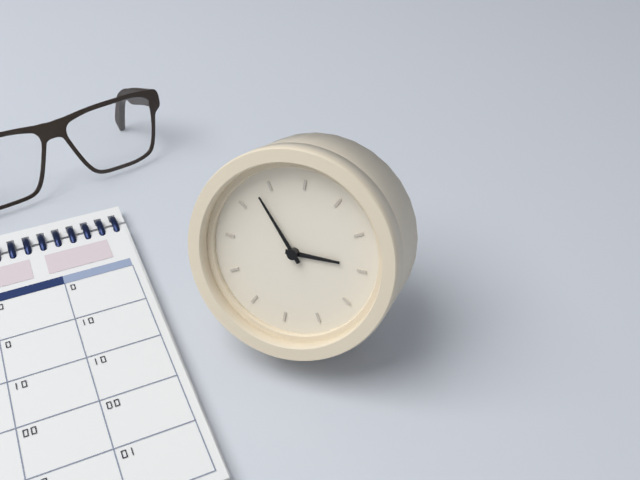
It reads 2:53
